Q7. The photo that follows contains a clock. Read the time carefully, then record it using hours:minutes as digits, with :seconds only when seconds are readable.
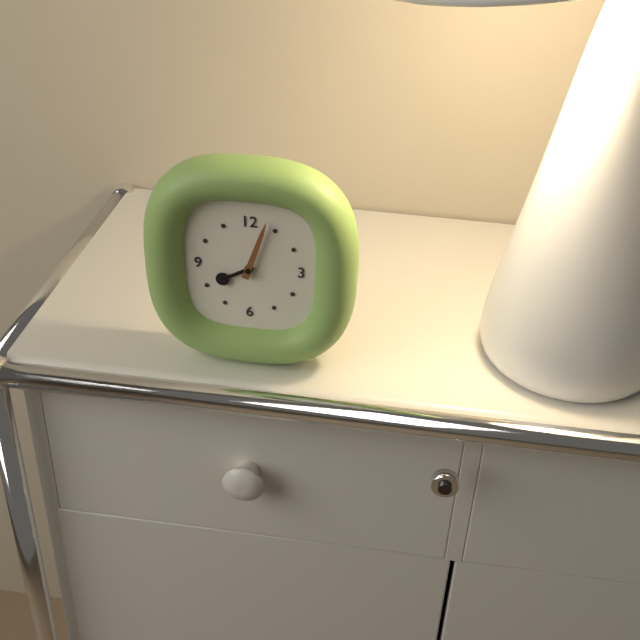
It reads 8:03
